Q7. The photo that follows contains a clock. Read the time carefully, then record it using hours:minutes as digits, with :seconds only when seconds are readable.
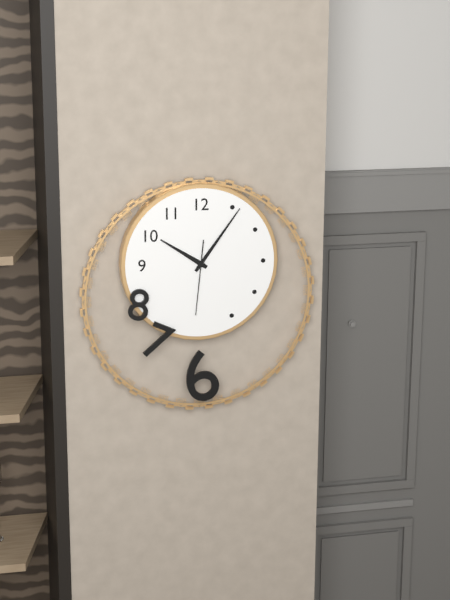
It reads 10:06:31
